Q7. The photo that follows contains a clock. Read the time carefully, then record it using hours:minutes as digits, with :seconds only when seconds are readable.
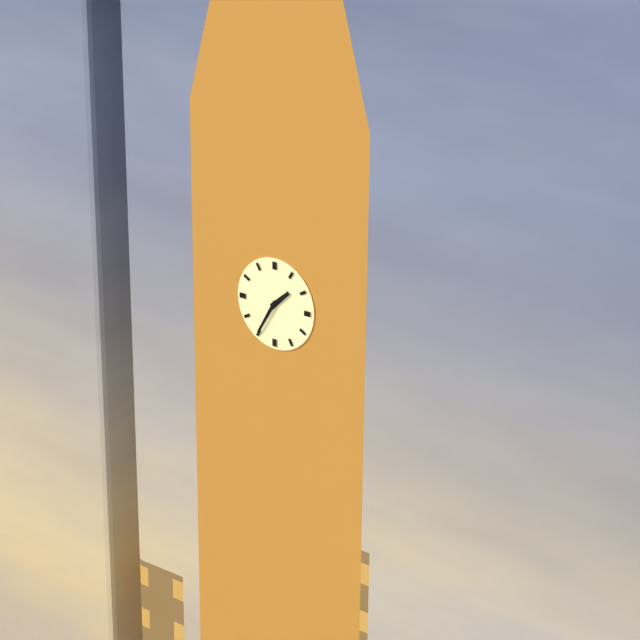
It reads 1:35
